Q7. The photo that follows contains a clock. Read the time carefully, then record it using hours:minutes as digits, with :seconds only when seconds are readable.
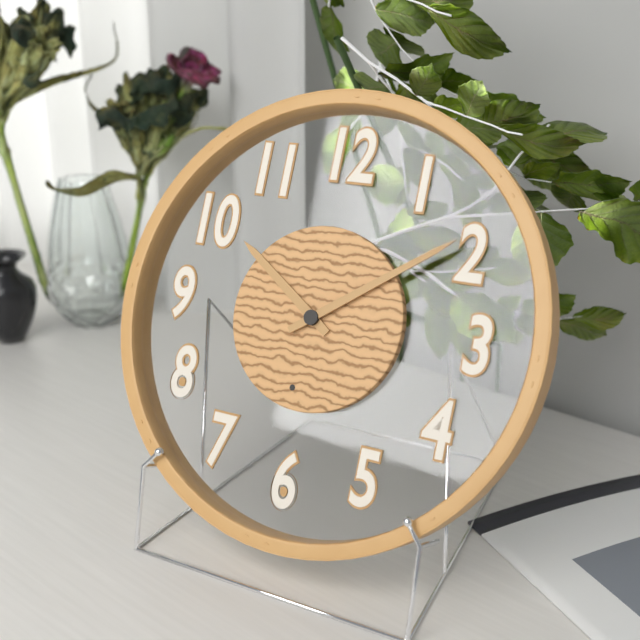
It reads 10:09
